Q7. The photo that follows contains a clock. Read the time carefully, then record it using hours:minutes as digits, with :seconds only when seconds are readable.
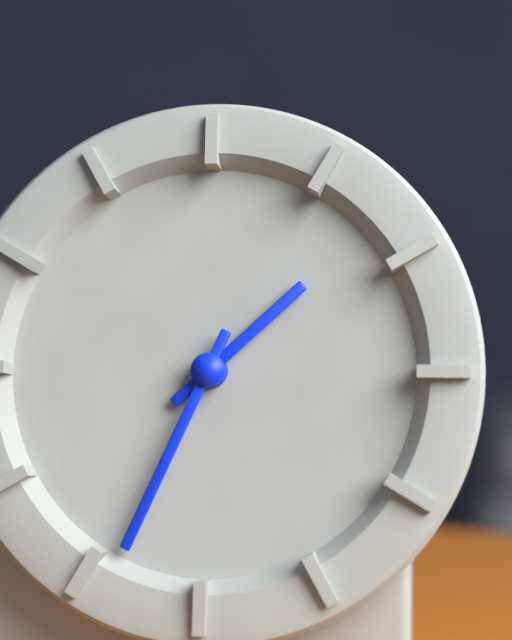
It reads 1:34
